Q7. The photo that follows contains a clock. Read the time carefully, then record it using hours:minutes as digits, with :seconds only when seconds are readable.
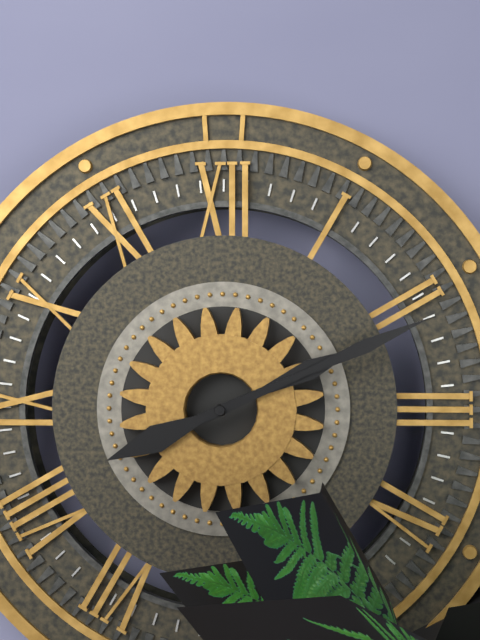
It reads 2:11
